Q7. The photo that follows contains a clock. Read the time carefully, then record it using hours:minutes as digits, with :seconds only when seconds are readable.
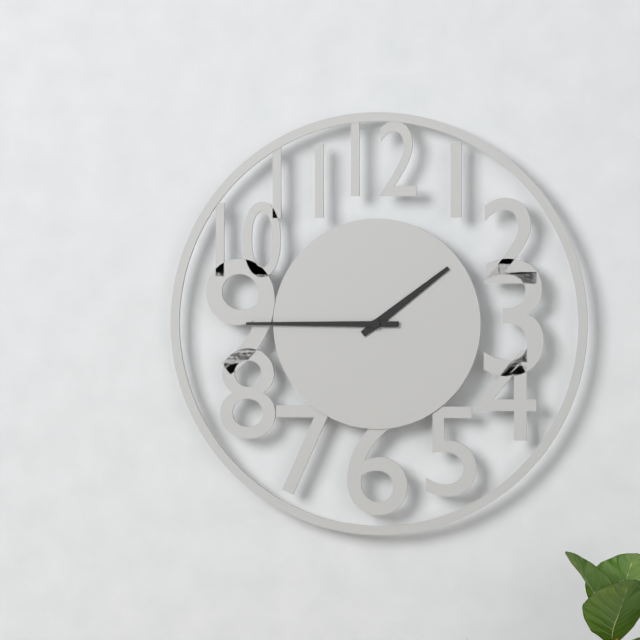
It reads 1:45
